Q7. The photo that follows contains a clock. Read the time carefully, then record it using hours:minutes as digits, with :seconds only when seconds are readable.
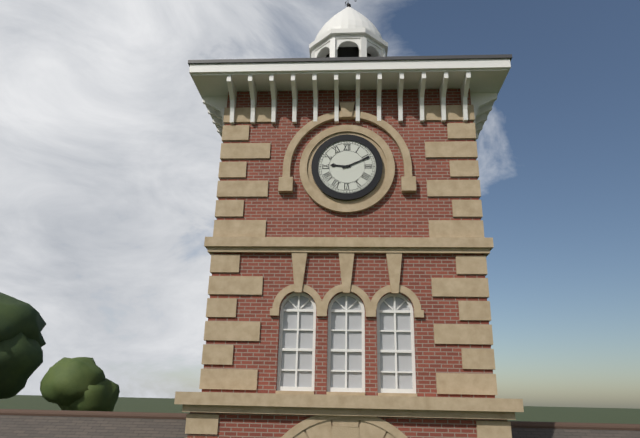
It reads 9:11
